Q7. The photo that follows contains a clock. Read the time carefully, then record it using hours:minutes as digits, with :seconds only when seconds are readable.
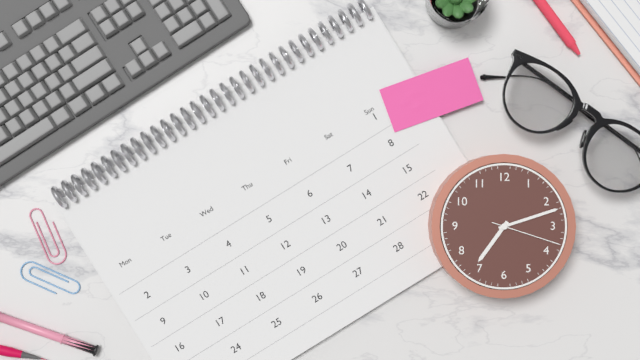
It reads 7:12:18
